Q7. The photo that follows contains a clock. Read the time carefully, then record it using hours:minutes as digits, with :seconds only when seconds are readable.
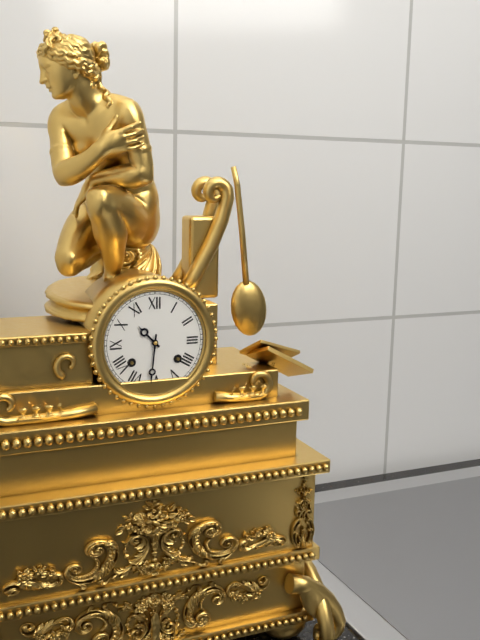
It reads 10:31
